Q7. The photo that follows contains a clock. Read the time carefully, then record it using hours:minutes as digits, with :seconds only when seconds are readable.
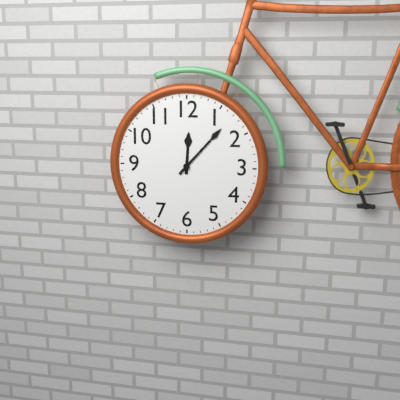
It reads 12:07
